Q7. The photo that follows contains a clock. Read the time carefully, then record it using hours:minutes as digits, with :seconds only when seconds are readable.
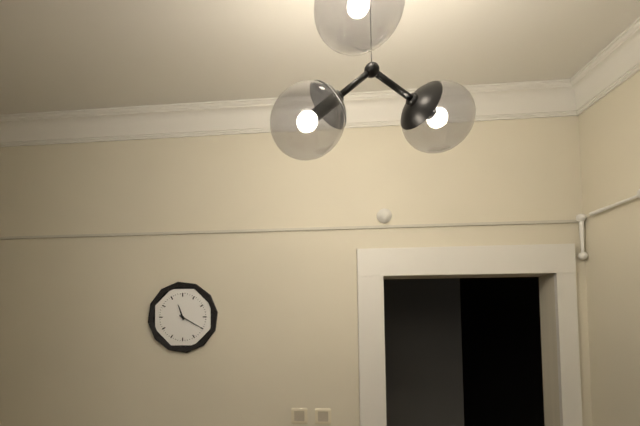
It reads 11:20
